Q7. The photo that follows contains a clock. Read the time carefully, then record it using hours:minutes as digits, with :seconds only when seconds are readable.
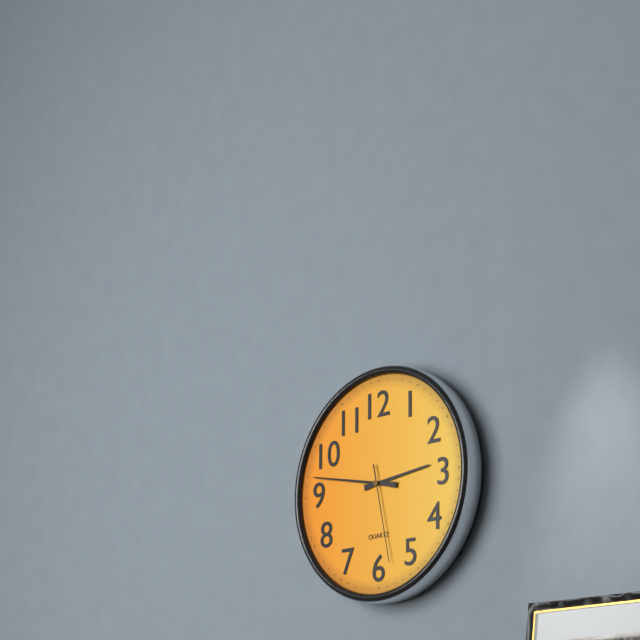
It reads 2:47:28
